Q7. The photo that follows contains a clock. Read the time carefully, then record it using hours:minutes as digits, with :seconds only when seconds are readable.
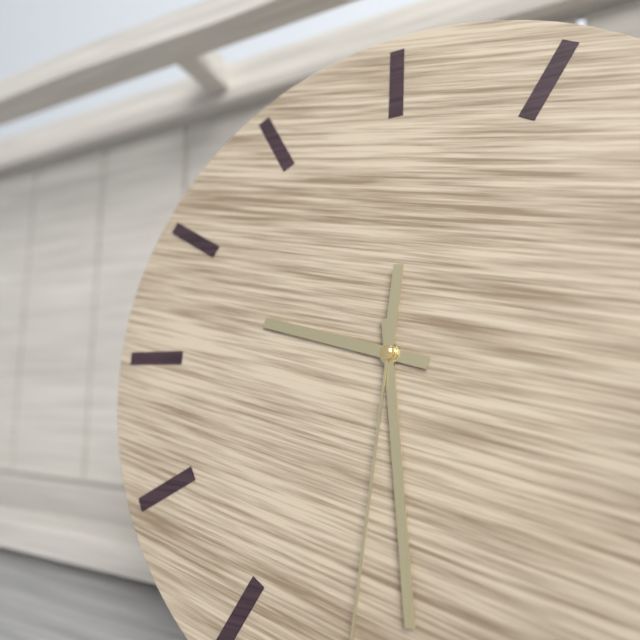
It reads 9:29
